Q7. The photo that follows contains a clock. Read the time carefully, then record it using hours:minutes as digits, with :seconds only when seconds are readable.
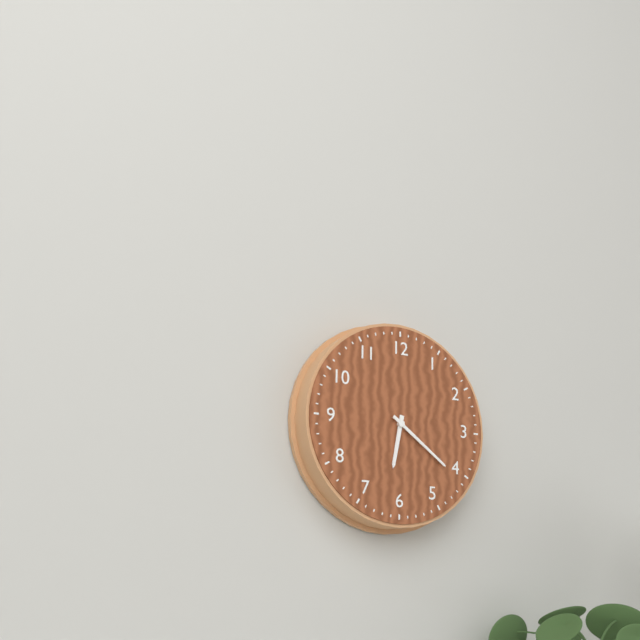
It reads 6:21
